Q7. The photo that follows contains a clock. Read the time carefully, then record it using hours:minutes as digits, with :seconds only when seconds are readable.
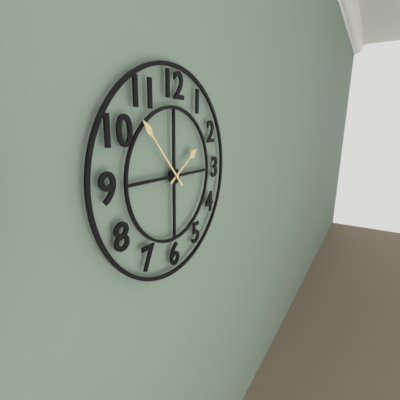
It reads 1:53
